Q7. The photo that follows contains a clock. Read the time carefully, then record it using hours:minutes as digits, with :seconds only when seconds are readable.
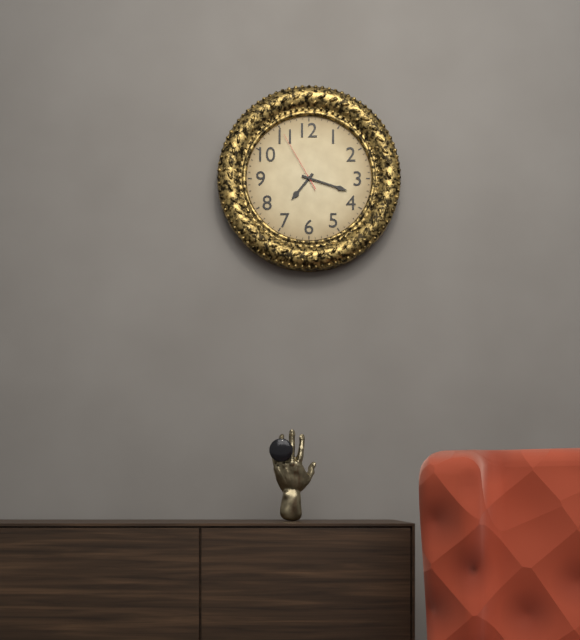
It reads 7:18:55
